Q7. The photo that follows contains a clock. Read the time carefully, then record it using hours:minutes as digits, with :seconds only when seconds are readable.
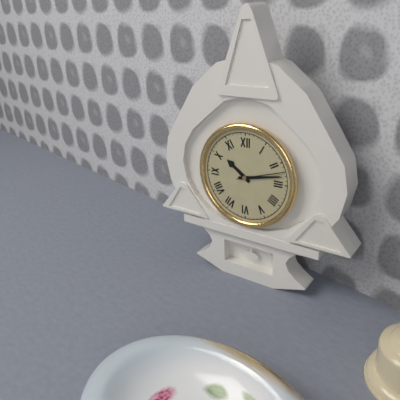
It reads 10:13
